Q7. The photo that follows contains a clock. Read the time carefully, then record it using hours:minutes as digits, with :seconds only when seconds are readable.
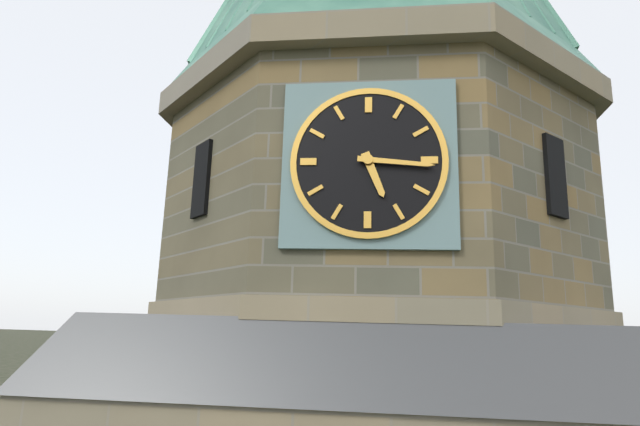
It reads 5:16
